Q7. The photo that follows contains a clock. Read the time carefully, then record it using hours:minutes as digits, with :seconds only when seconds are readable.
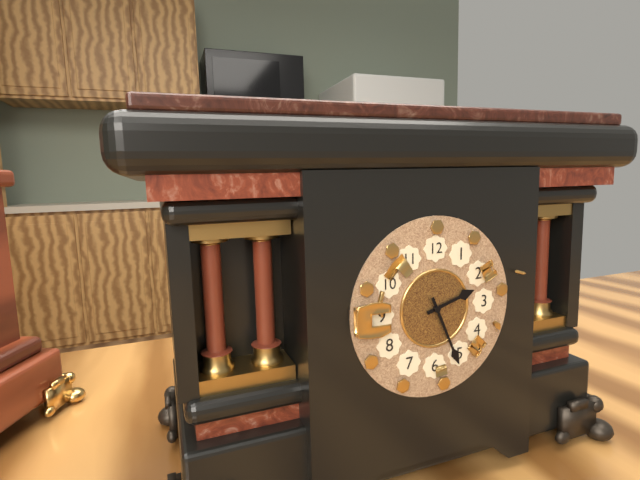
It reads 2:26
